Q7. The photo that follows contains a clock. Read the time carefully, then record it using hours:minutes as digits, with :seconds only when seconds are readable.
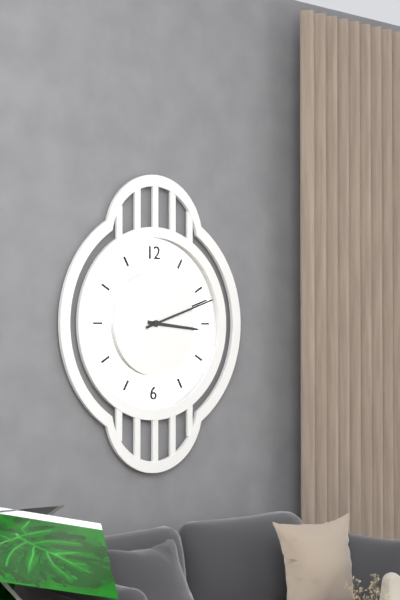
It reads 3:12
